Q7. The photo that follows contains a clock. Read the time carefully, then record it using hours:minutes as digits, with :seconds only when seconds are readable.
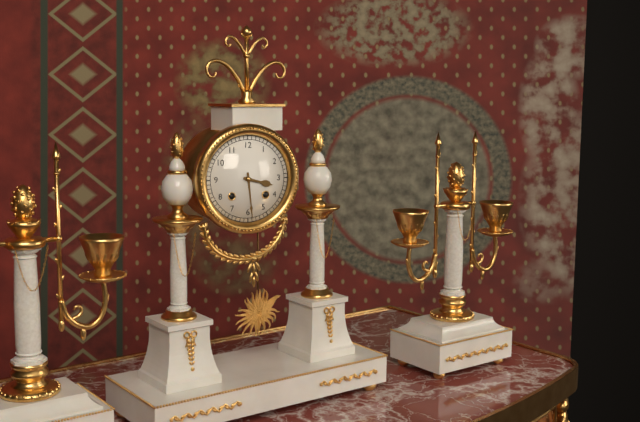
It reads 3:29
